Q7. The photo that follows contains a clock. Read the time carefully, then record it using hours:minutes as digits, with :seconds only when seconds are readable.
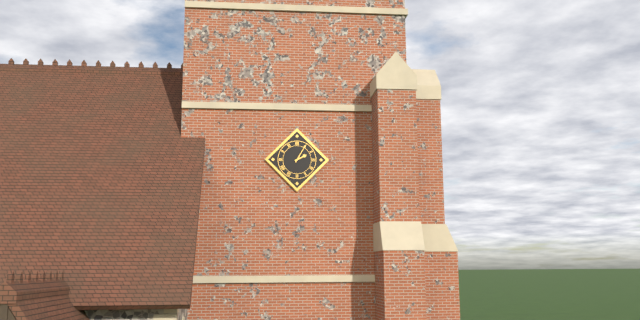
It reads 2:05
